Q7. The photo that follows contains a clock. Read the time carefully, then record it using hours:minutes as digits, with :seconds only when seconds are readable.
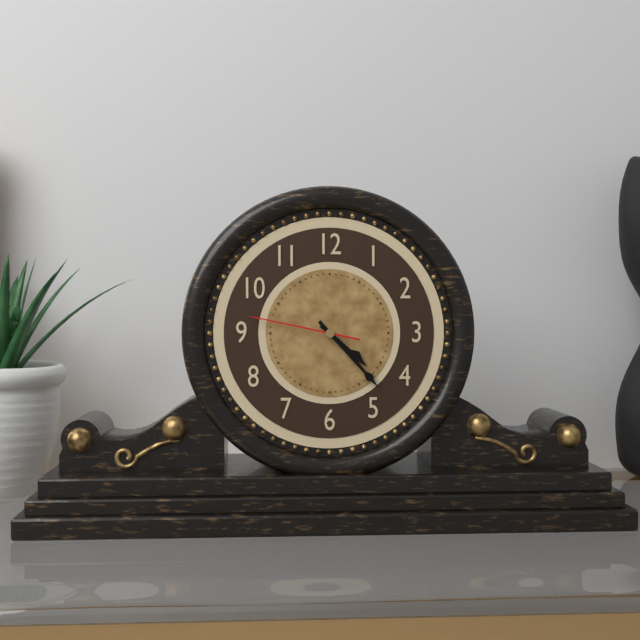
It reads 4:23:47
